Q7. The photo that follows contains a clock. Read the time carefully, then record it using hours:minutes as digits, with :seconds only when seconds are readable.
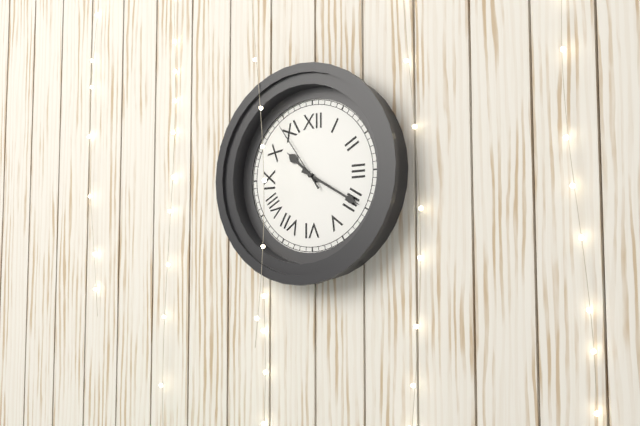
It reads 10:20:54
